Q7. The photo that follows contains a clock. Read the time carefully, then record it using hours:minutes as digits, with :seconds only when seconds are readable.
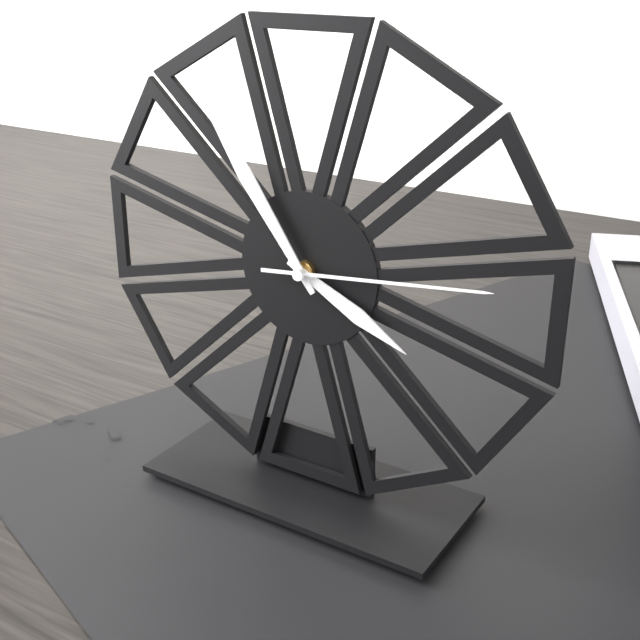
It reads 3:54:14
